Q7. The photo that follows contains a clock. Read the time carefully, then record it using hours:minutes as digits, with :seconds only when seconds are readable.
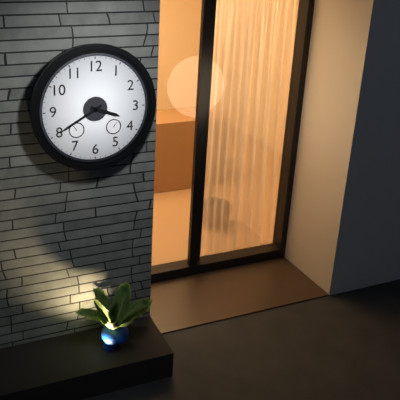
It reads 3:40
